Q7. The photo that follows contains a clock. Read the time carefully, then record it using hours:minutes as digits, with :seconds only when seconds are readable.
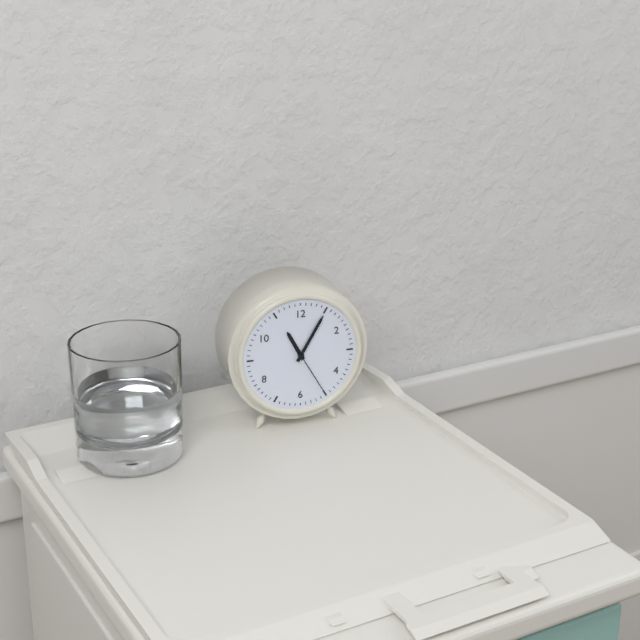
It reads 11:05:25
